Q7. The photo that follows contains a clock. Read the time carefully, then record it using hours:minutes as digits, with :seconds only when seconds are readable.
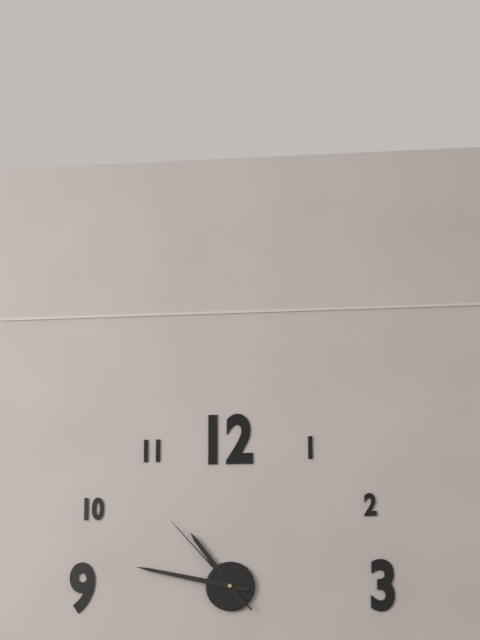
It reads 10:47:53
